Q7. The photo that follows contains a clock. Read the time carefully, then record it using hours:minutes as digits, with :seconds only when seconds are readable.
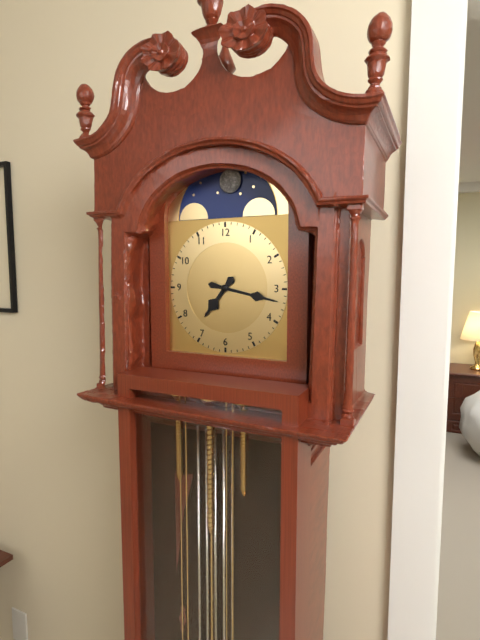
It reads 7:17
